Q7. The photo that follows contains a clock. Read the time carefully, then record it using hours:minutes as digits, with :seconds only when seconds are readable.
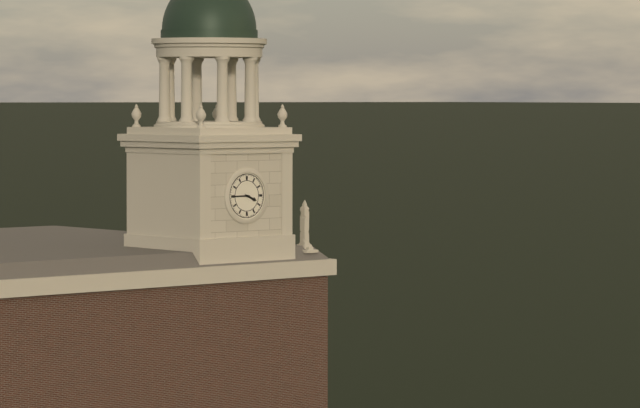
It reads 3:45
